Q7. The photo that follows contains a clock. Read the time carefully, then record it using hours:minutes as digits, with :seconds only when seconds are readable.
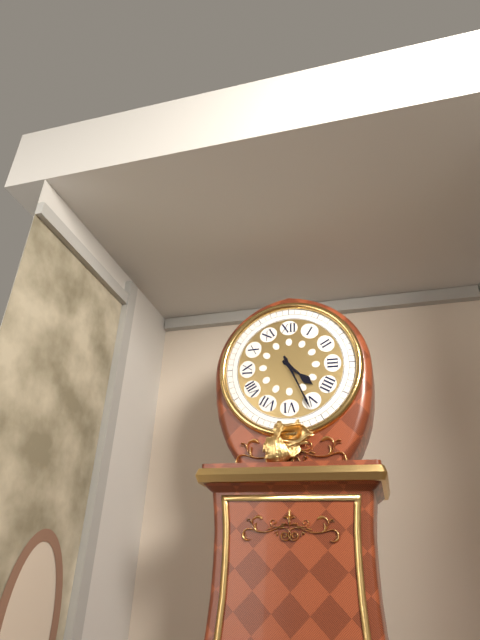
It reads 4:26
